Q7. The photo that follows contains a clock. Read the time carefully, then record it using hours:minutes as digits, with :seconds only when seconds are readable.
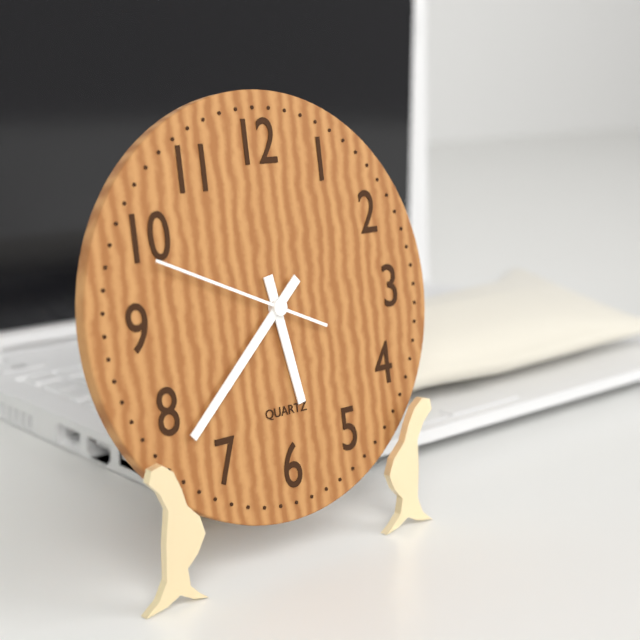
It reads 5:38:49
